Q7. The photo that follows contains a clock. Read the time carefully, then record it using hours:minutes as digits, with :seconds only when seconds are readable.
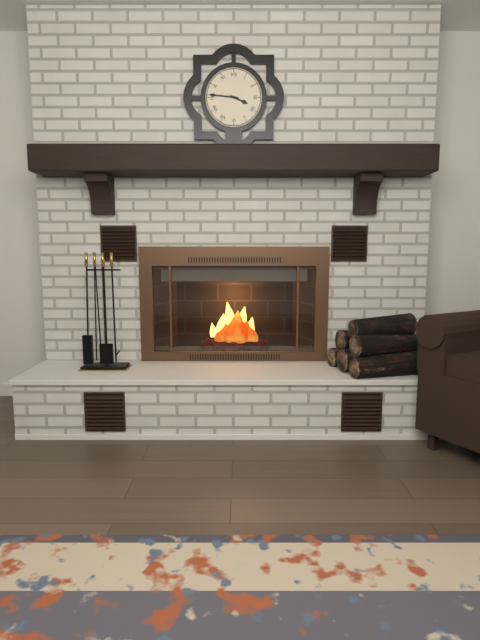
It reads 3:46
